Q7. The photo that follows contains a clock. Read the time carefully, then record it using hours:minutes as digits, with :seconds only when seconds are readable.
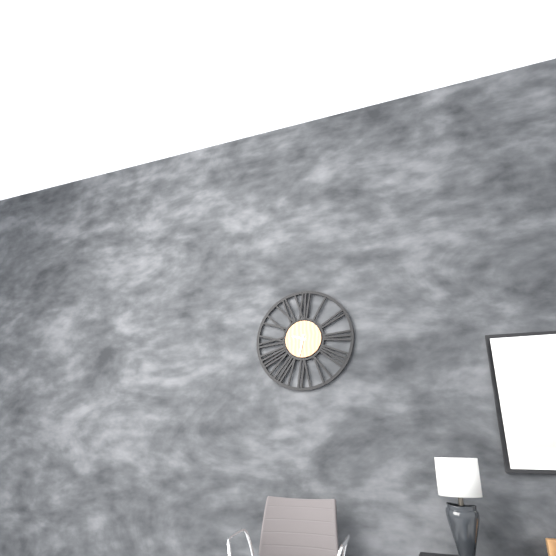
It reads 9:32
